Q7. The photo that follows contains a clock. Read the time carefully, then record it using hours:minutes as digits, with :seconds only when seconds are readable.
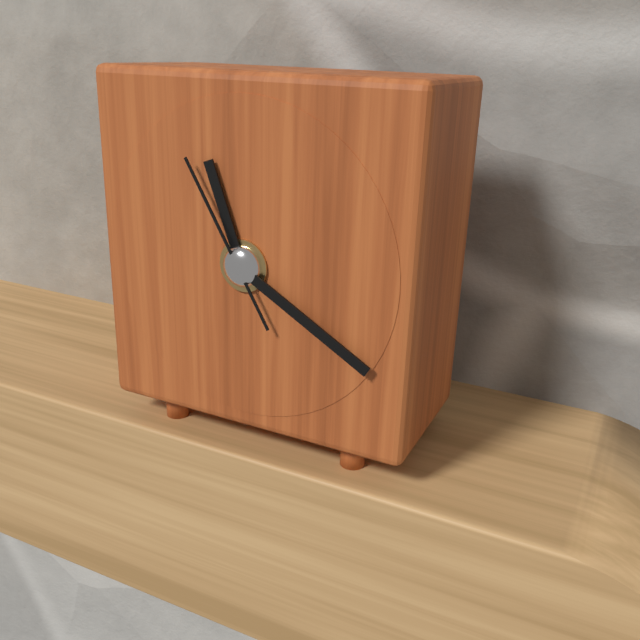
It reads 11:20:55
